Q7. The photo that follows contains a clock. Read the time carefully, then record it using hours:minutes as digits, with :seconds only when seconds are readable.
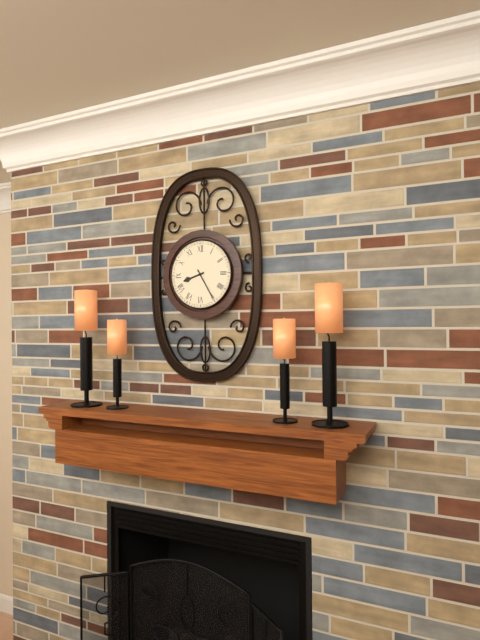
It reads 8:25
